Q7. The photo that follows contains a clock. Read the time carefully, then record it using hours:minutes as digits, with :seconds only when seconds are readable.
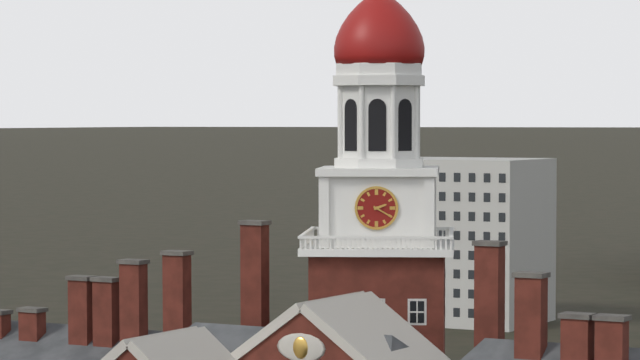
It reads 2:20
